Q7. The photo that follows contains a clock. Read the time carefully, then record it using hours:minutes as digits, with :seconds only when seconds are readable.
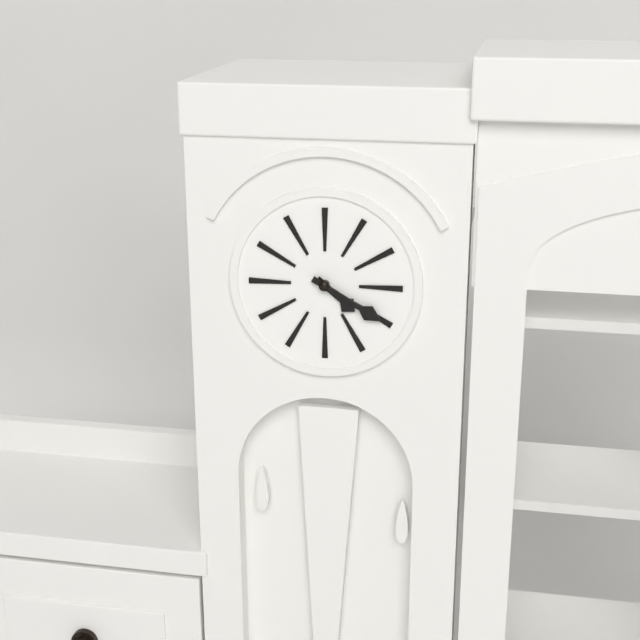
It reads 4:20
